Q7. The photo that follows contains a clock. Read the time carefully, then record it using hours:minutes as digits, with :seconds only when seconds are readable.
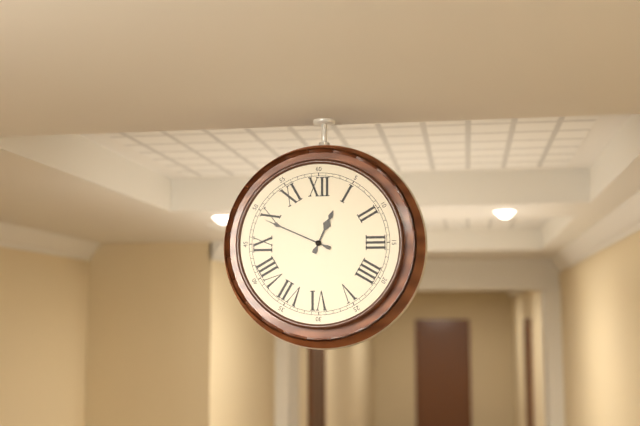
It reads 12:49
